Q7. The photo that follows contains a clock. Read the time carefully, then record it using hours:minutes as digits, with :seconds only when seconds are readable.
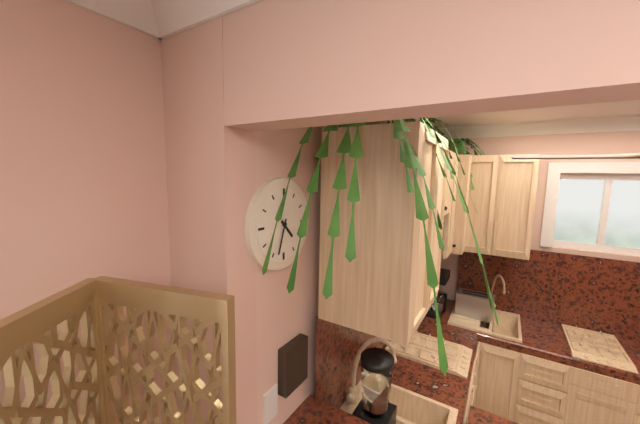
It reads 4:33
